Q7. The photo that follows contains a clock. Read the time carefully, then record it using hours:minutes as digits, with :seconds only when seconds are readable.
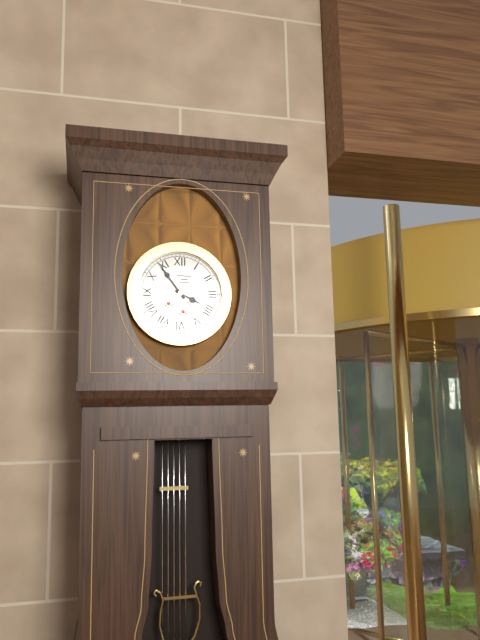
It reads 3:54
